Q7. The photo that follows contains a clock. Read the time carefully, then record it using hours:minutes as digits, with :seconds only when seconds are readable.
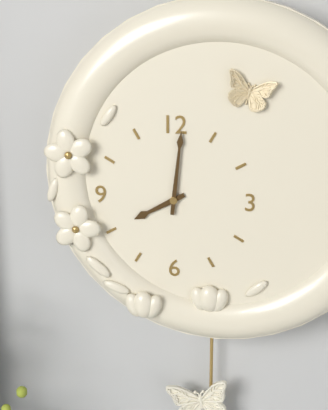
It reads 8:01
